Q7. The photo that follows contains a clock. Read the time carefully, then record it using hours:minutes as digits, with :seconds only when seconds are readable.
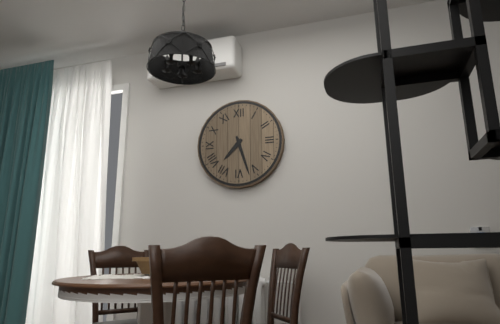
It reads 7:27
